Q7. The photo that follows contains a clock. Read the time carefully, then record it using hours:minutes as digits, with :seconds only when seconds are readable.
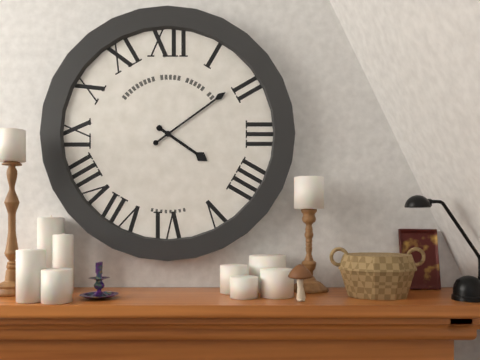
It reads 4:09
